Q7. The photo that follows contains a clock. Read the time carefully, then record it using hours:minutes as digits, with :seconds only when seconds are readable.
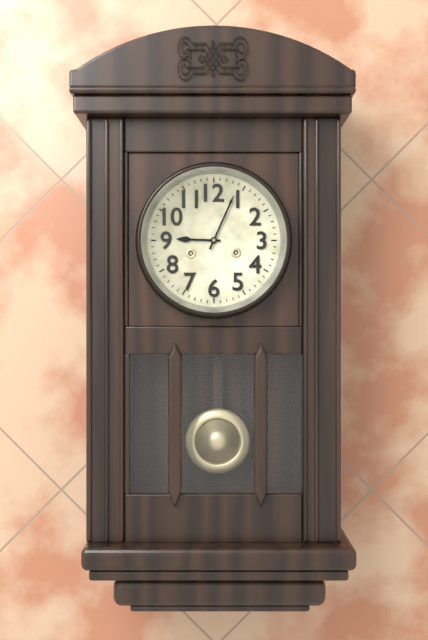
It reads 9:04
